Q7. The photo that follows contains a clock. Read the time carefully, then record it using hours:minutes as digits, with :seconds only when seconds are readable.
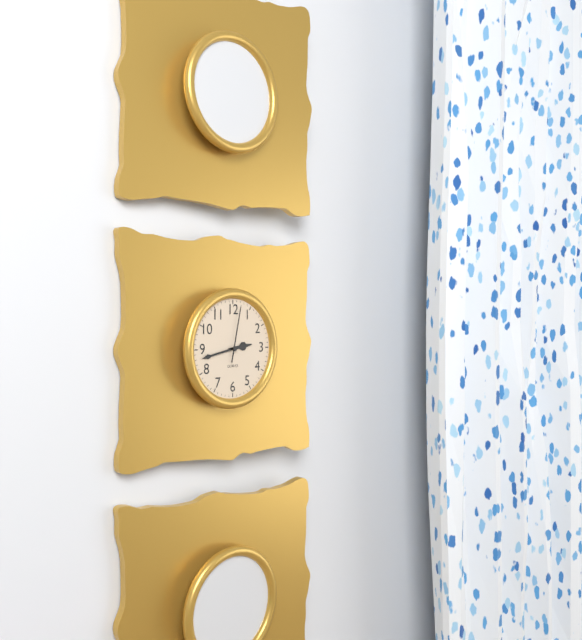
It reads 2:43:02
